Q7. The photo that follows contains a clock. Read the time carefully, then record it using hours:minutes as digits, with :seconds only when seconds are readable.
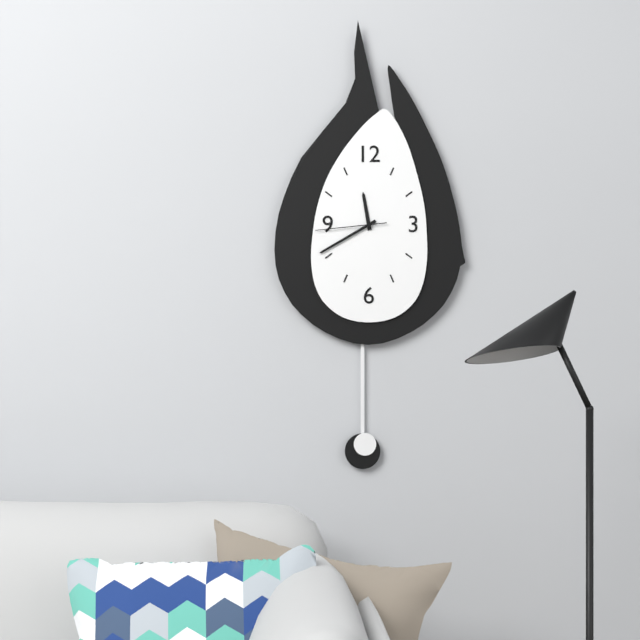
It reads 11:40:44
